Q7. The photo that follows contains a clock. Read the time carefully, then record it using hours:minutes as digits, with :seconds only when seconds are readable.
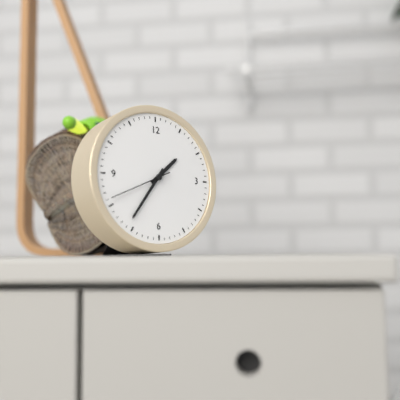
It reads 1:36:41
